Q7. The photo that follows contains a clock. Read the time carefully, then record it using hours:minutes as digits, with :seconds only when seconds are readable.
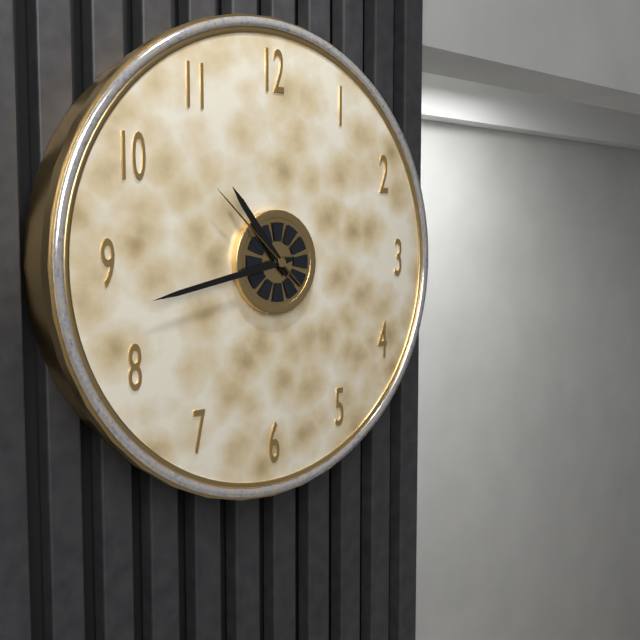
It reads 10:43:52
